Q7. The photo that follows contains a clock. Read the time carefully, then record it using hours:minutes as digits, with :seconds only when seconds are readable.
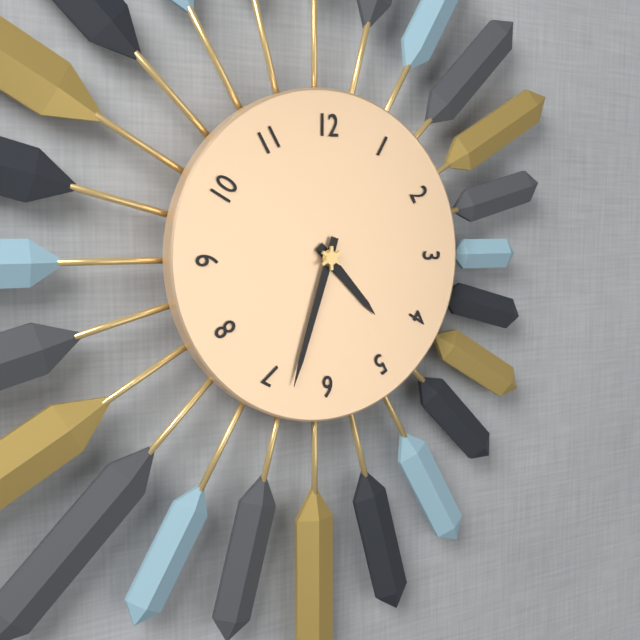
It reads 4:33
